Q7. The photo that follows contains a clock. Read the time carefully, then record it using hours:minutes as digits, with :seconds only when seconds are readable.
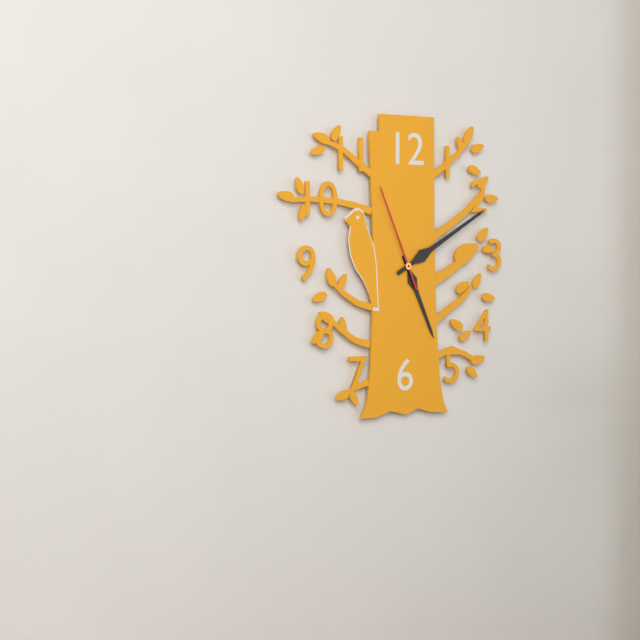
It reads 5:10:56
